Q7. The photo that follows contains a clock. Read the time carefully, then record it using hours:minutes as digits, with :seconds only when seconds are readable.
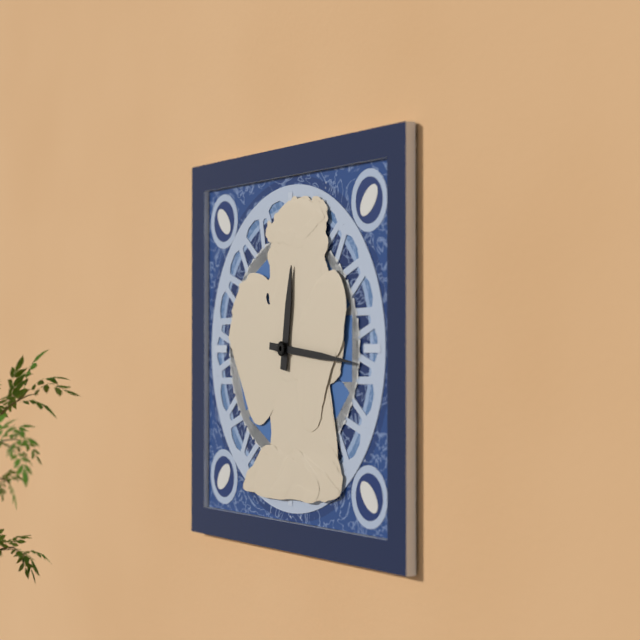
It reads 12:16
